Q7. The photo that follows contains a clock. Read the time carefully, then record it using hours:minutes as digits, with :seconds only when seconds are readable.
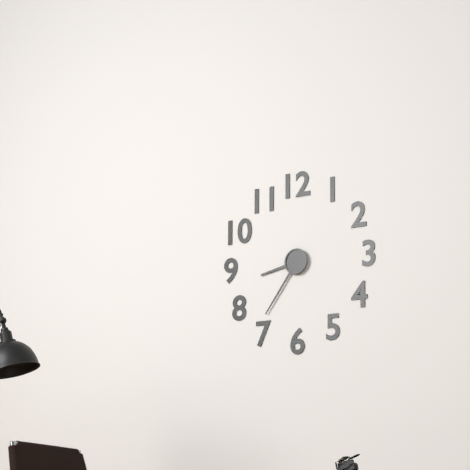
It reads 8:36
